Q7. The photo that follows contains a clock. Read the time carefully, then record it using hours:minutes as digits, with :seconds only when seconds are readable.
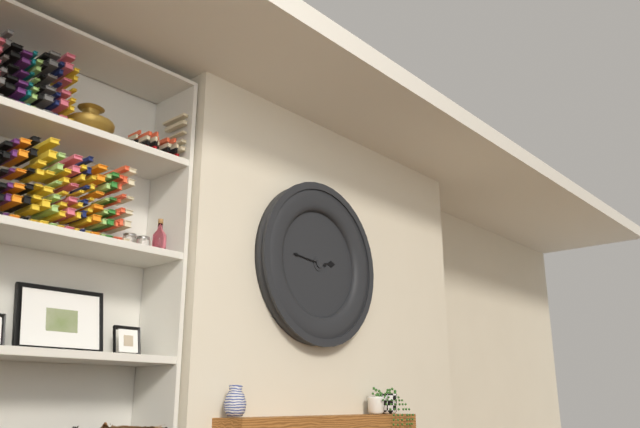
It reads 2:46
